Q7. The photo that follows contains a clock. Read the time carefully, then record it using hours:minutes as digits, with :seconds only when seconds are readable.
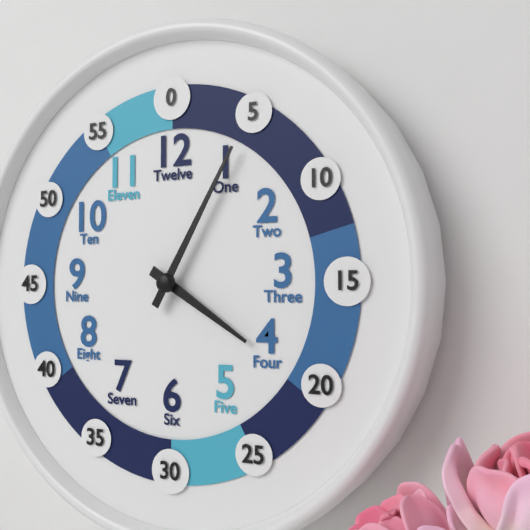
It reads 4:05
